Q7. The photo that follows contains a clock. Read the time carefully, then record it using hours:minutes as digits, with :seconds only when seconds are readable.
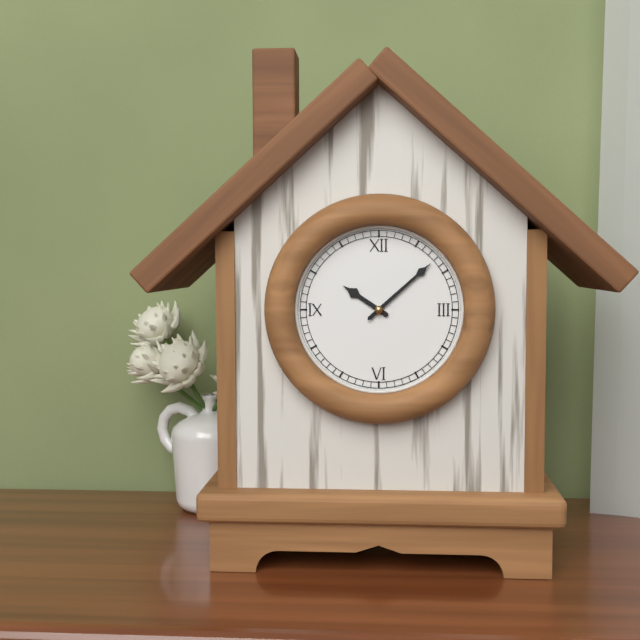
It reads 10:08
